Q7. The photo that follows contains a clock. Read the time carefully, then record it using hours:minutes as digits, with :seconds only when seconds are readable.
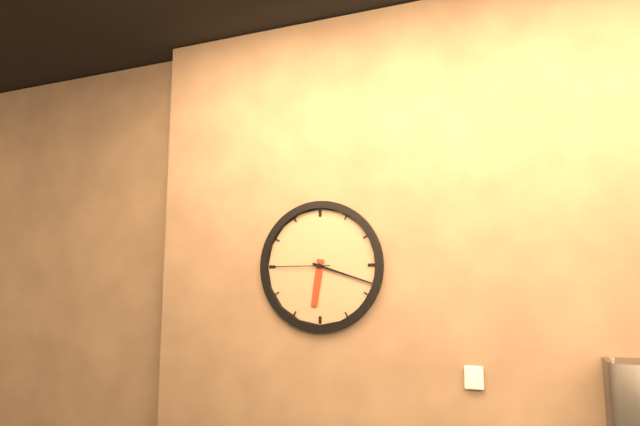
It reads 6:18:45
